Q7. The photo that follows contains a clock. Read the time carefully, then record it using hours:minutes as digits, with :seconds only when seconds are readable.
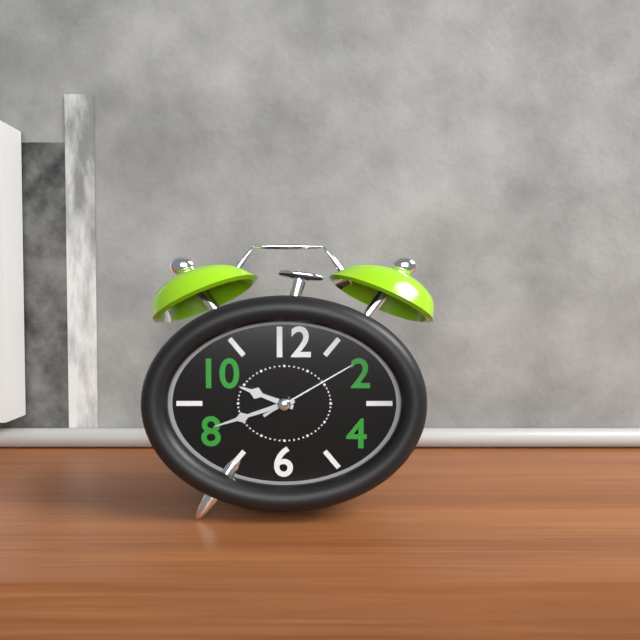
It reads 9:42:10
